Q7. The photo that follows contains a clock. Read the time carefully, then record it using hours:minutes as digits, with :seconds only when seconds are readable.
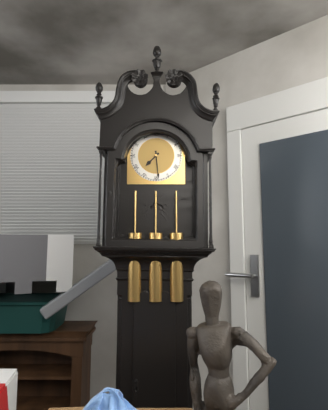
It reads 7:29
